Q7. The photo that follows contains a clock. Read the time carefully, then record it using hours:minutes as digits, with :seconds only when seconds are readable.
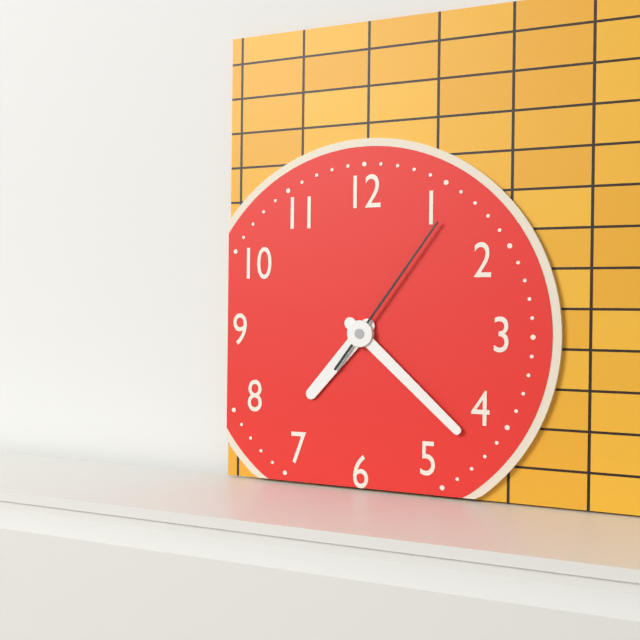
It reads 7:22:06
